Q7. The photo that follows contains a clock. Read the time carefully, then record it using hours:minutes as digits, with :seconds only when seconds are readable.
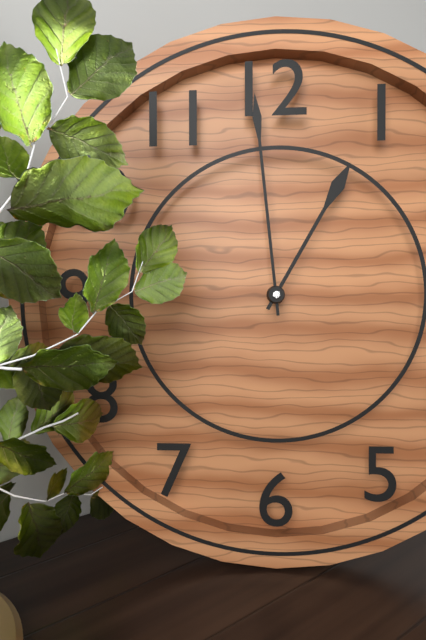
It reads 12:59
